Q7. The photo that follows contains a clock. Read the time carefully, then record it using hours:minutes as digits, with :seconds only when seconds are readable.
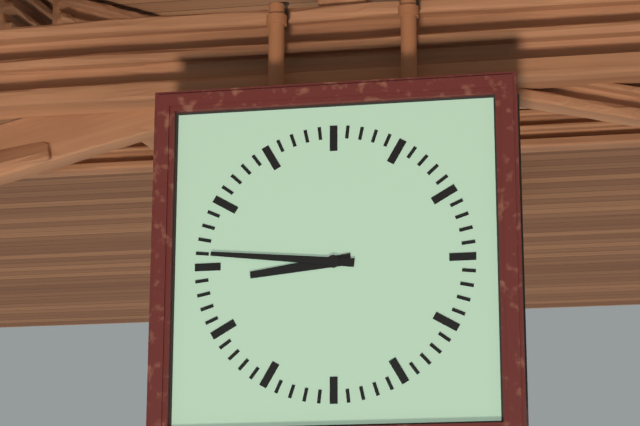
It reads 8:46
